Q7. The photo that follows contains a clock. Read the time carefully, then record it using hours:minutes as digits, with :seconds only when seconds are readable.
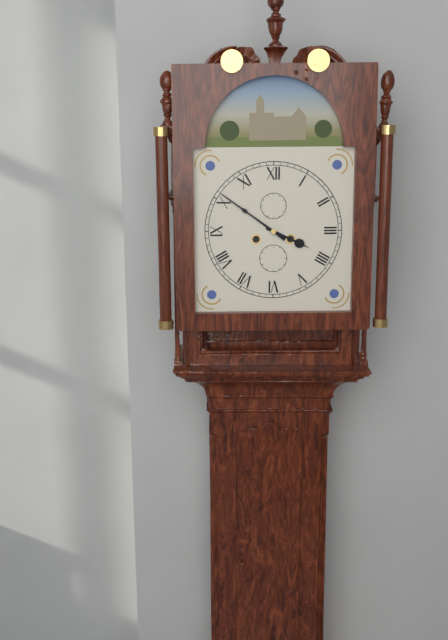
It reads 3:51
